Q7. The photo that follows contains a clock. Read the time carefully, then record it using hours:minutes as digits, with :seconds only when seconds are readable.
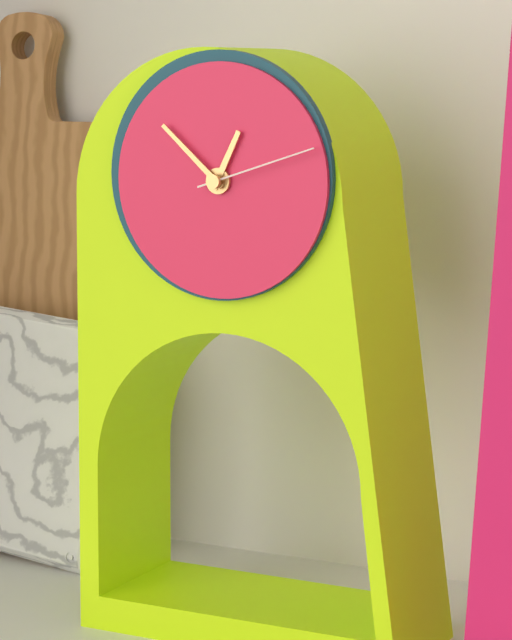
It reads 12:52:12
